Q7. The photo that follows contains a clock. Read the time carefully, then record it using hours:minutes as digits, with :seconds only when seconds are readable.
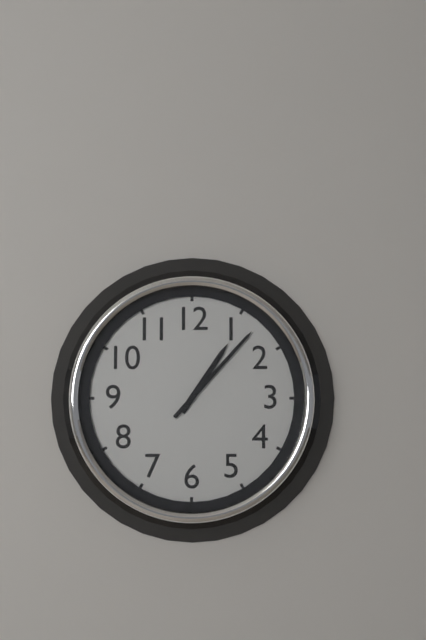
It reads 1:07
